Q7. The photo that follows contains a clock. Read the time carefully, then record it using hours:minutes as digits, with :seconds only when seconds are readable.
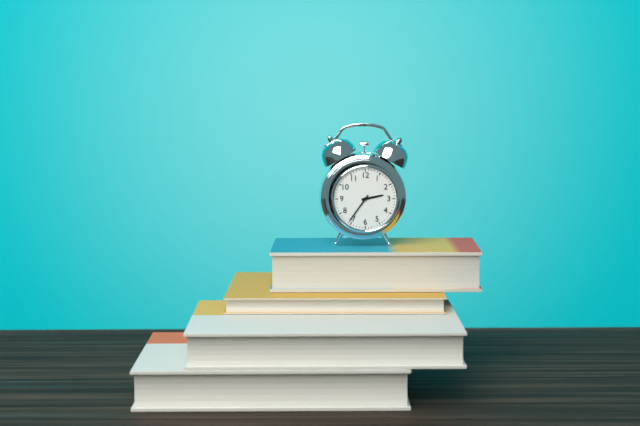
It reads 2:36
